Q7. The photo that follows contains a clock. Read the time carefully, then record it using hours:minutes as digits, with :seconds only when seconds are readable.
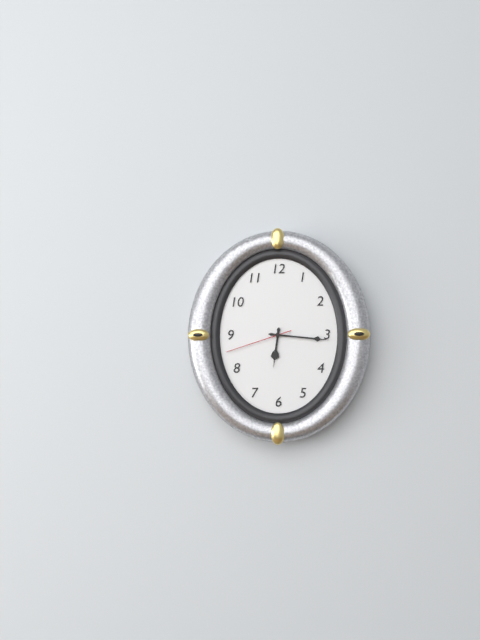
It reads 6:16:42
